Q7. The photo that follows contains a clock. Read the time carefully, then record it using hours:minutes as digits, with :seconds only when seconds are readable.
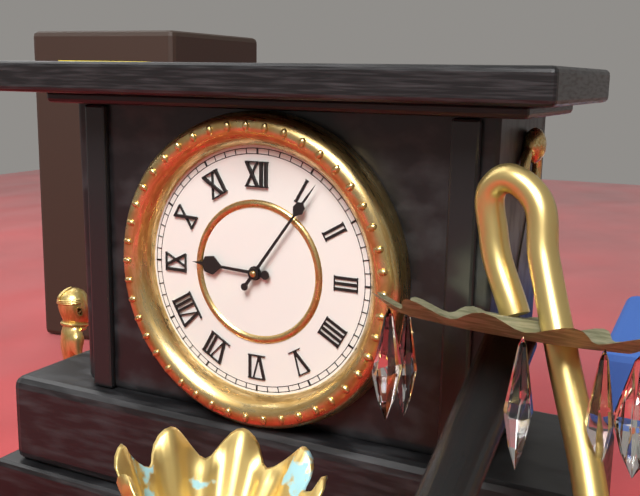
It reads 9:06
